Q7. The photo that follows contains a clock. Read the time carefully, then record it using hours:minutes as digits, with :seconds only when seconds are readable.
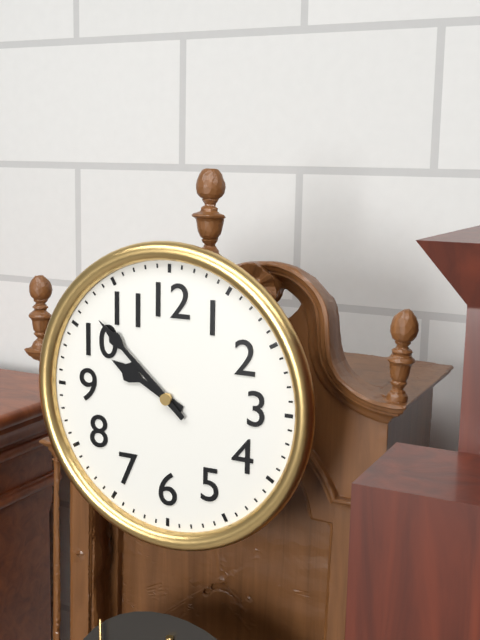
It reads 9:52
